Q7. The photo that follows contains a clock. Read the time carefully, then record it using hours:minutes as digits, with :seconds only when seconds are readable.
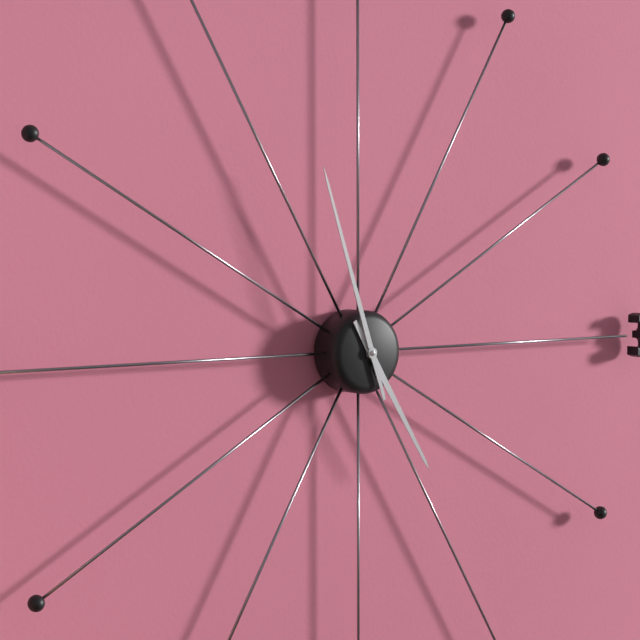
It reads 4:57
